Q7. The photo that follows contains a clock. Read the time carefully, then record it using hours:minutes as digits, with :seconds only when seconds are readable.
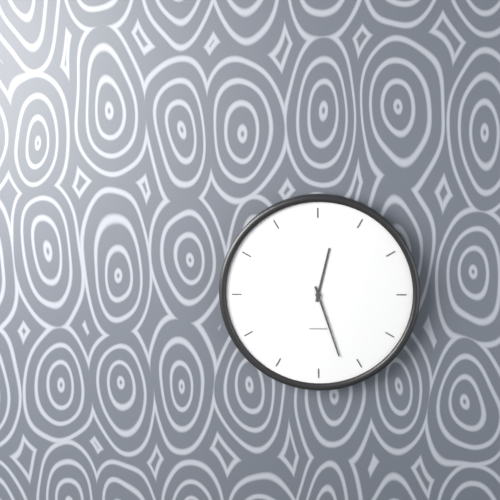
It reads 12:27
